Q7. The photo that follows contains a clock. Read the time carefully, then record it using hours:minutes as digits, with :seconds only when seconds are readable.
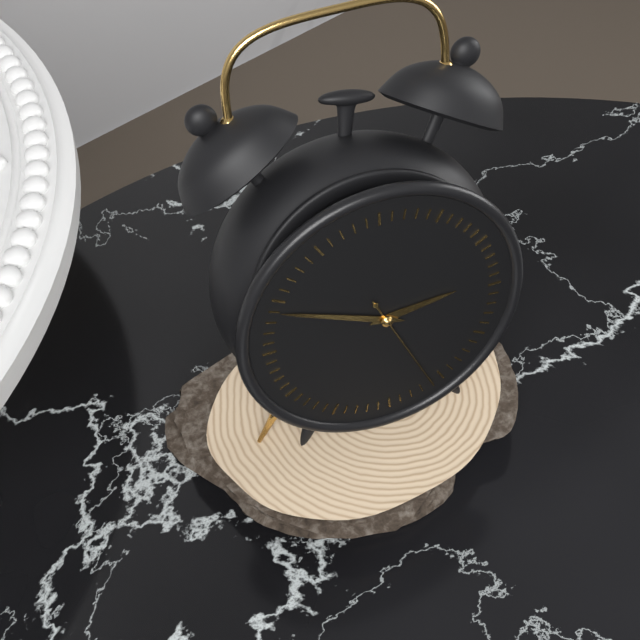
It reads 2:49:26
